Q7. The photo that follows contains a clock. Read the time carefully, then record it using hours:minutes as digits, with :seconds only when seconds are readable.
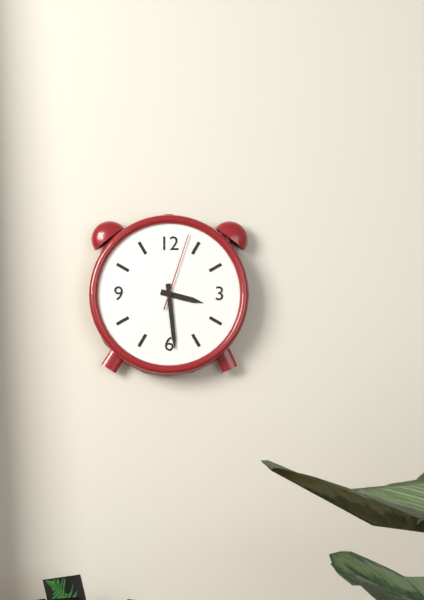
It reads 3:29:03
